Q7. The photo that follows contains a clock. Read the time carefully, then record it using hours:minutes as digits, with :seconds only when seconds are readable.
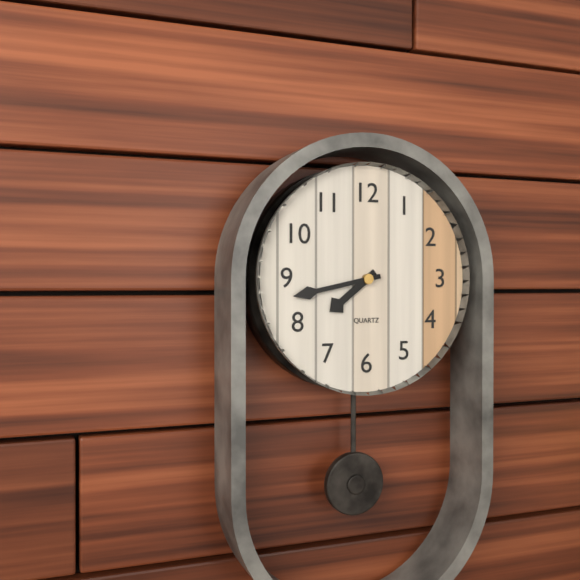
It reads 7:43
